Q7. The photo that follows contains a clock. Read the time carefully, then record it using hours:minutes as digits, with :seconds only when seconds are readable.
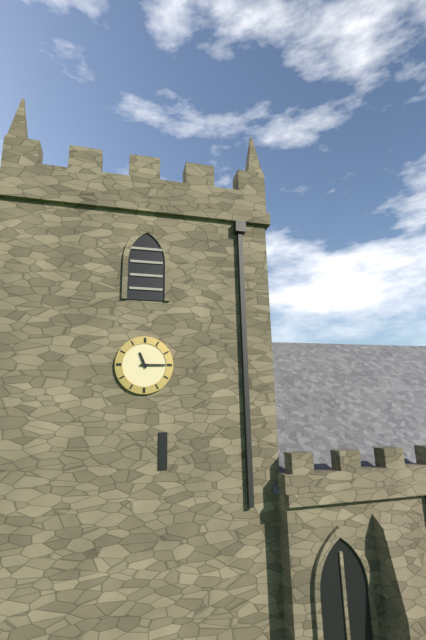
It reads 11:15
